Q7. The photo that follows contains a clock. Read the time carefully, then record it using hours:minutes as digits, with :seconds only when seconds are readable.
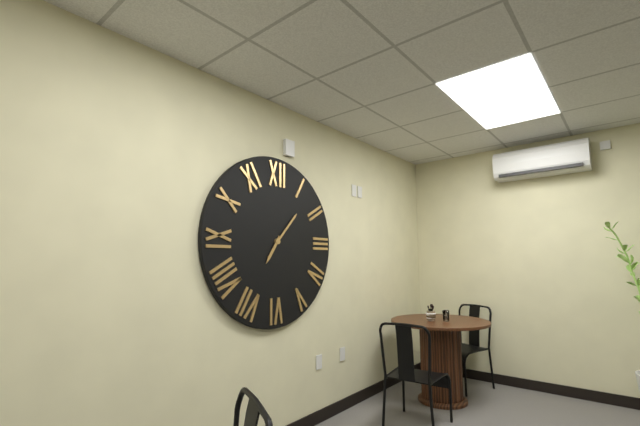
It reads 7:07
